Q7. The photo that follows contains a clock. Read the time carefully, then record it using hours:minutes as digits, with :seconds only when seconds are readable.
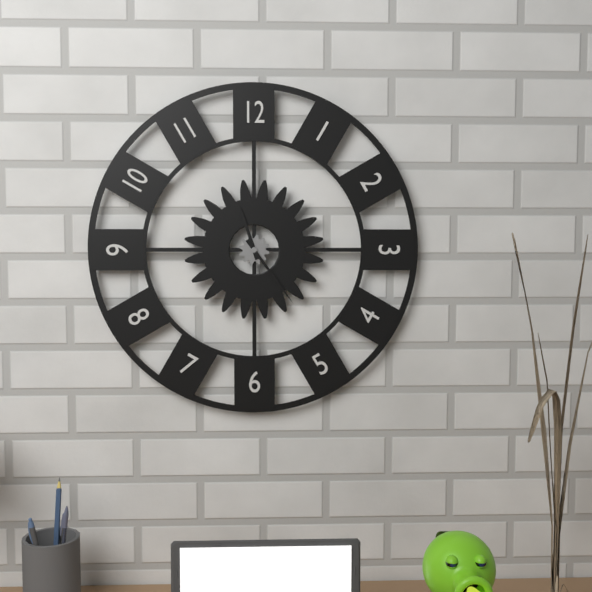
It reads 11:24
